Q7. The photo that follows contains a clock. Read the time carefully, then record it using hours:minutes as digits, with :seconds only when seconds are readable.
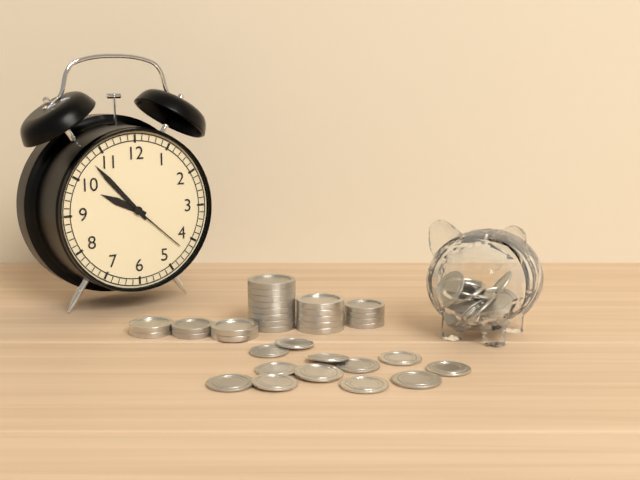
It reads 9:53:22
